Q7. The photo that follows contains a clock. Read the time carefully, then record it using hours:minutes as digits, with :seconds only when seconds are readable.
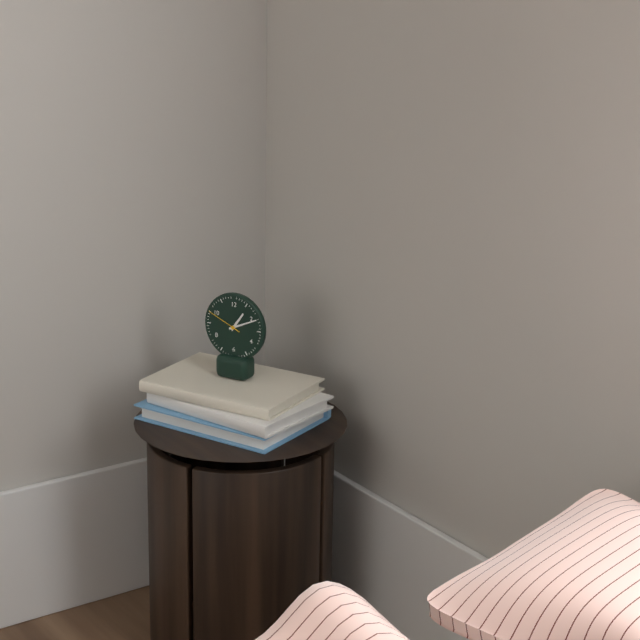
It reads 1:11
